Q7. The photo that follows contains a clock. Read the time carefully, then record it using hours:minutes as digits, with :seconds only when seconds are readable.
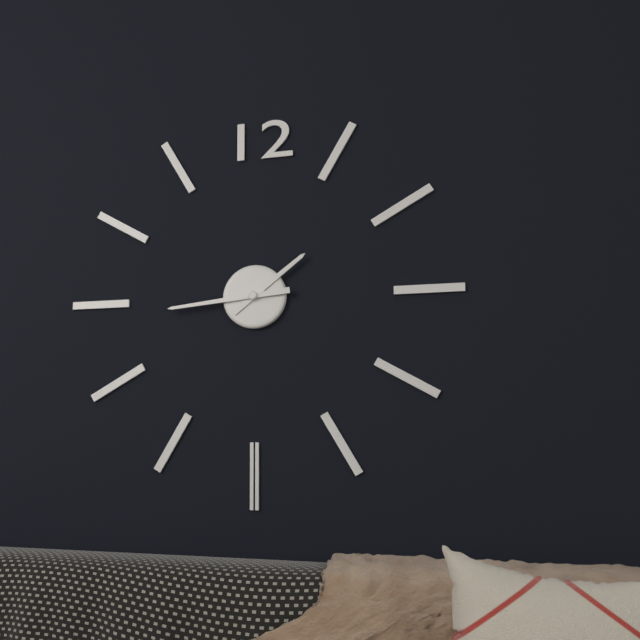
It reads 1:44
